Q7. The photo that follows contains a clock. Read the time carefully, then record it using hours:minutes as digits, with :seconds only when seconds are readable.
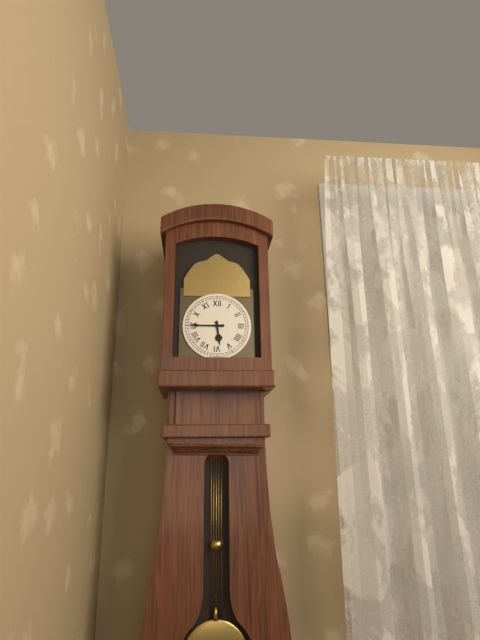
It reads 5:45
